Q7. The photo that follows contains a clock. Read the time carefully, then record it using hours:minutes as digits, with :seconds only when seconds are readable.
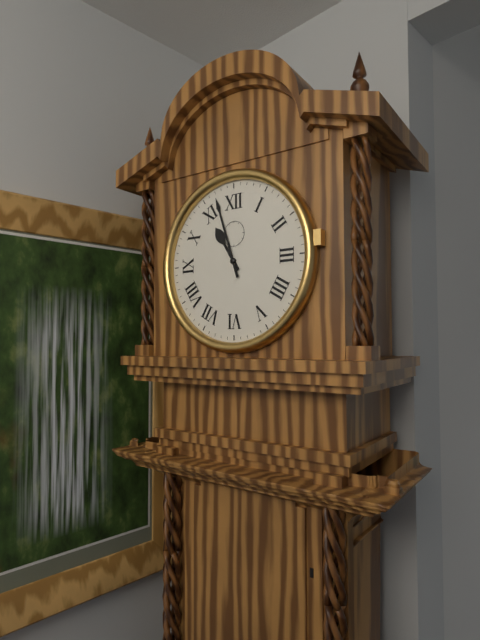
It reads 10:57
